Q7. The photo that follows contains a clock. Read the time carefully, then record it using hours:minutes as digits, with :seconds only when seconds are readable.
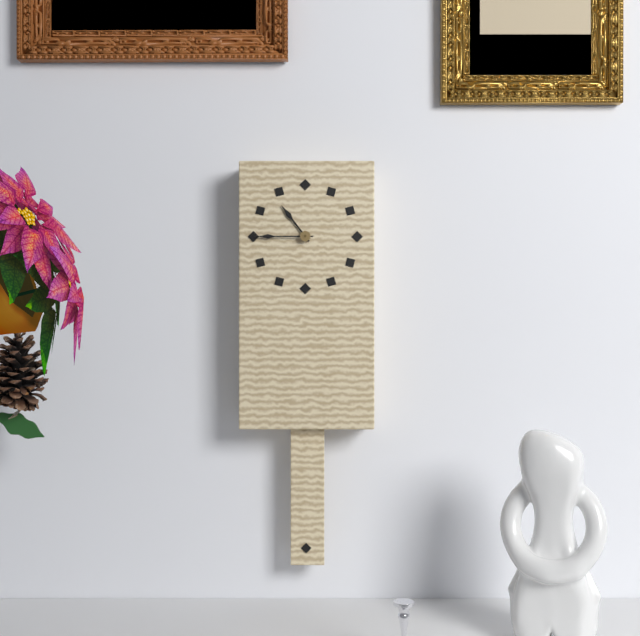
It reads 10:45
